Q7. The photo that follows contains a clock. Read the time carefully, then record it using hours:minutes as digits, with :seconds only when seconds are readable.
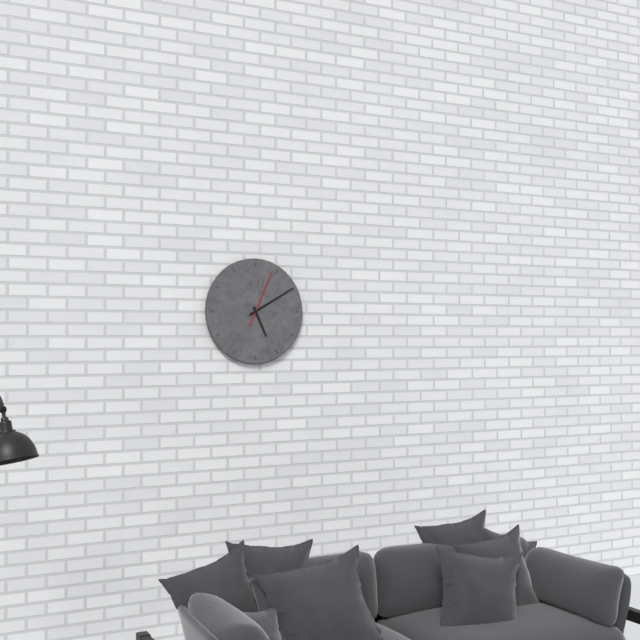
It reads 5:10:04
